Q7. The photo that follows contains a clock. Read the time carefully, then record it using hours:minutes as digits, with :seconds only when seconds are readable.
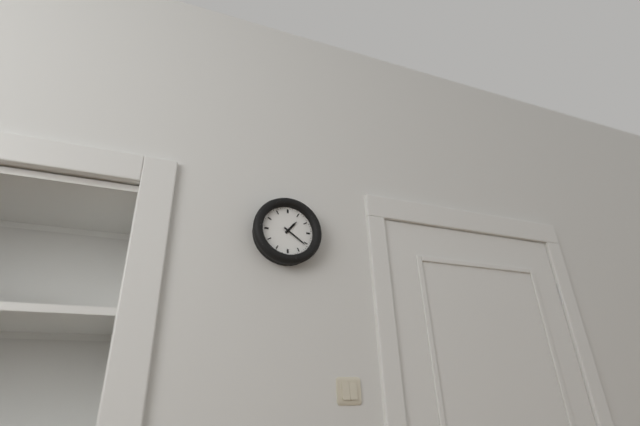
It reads 1:21
